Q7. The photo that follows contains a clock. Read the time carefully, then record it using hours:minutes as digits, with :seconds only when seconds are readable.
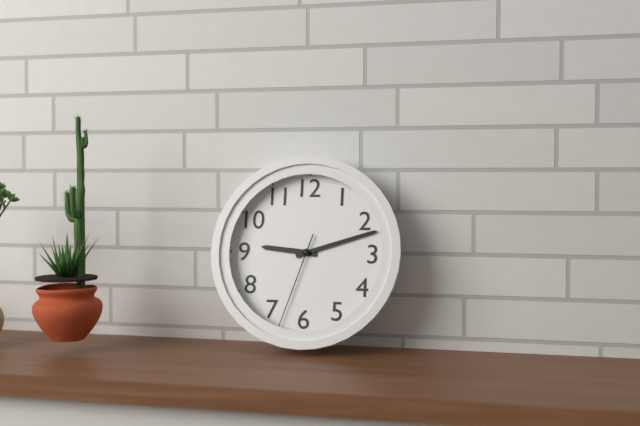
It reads 9:12:33
